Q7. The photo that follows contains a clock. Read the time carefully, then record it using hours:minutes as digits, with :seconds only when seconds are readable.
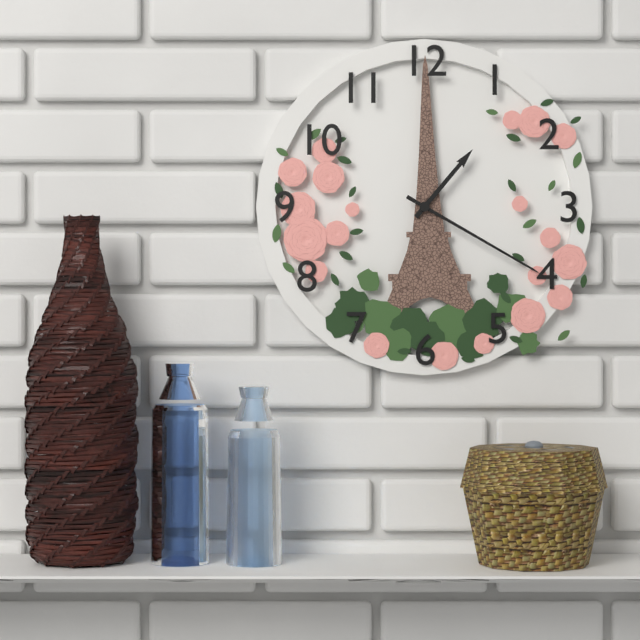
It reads 1:20
